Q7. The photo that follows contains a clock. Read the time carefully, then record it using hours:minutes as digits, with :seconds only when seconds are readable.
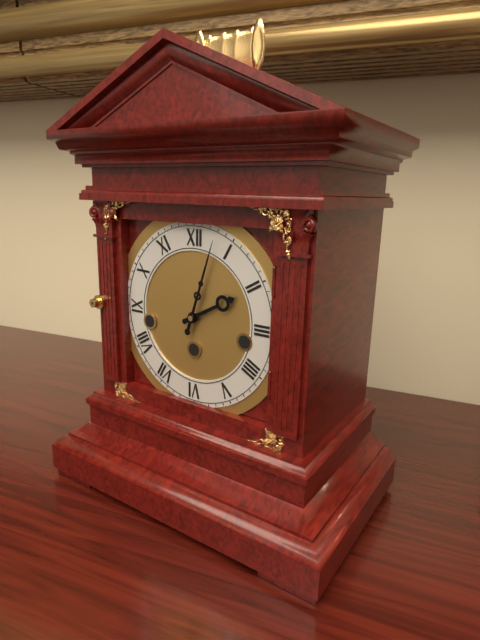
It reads 2:03
